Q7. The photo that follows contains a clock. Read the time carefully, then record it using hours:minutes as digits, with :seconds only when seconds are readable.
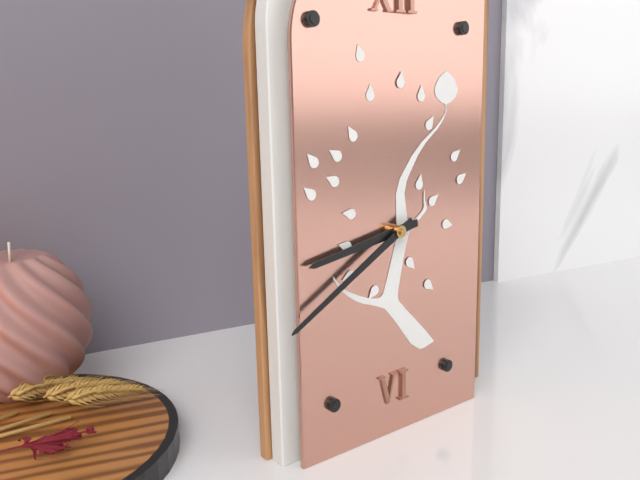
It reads 8:40
